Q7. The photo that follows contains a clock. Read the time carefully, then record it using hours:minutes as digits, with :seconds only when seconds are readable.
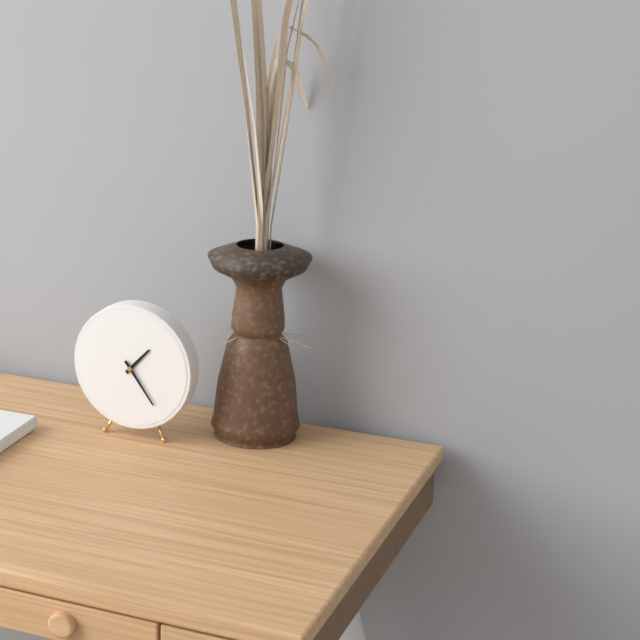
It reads 1:24
